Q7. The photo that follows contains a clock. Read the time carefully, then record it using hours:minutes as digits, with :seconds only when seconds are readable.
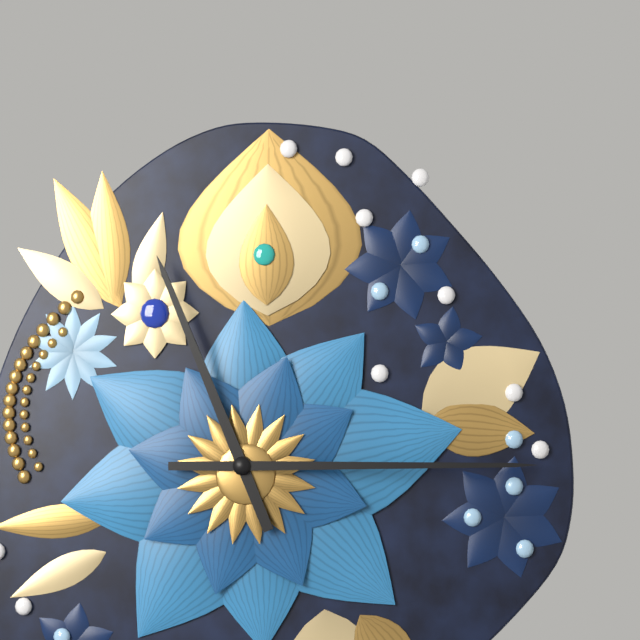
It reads 11:15
